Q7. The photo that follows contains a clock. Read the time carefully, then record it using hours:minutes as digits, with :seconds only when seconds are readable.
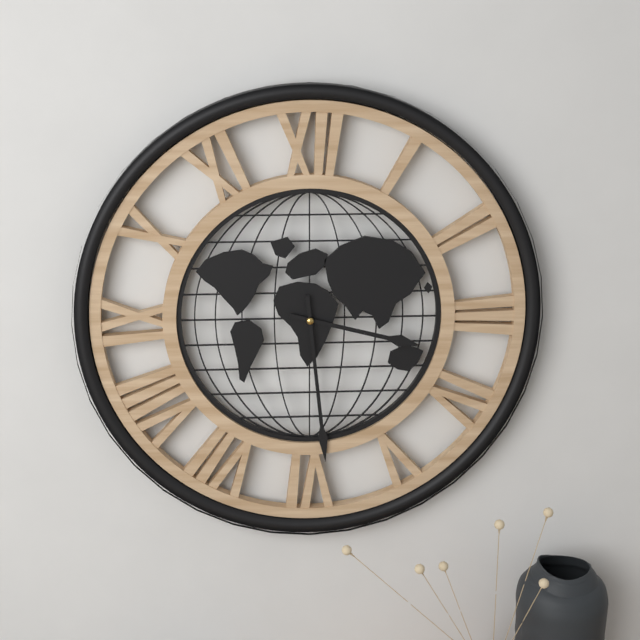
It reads 3:29
